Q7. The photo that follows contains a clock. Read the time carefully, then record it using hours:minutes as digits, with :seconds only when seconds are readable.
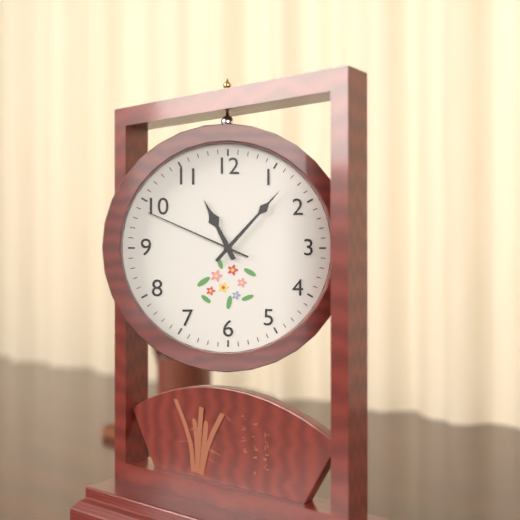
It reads 11:07:49
